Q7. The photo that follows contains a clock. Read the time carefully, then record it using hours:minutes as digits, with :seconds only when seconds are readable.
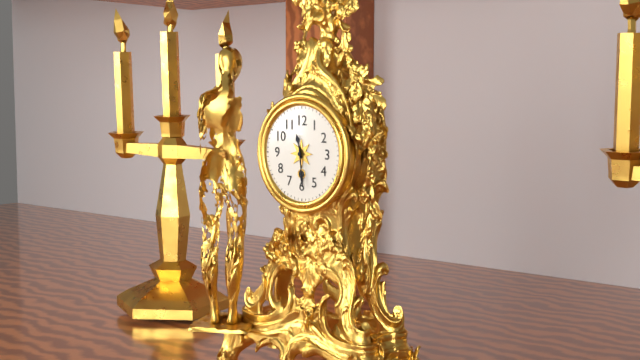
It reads 11:29
